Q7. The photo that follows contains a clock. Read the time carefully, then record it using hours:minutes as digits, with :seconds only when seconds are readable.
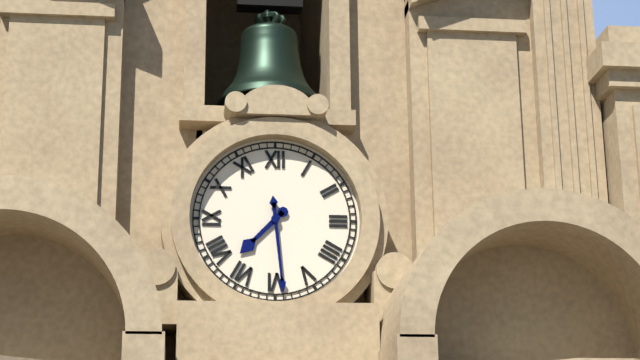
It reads 7:29
